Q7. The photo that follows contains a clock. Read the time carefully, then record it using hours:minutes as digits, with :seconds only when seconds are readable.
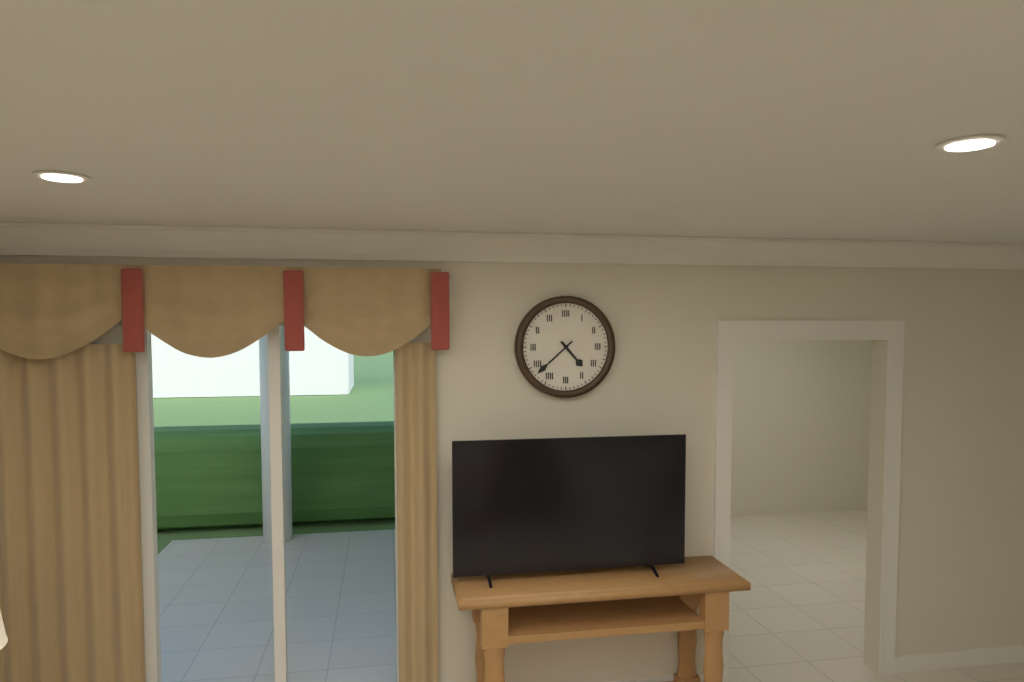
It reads 4:38
